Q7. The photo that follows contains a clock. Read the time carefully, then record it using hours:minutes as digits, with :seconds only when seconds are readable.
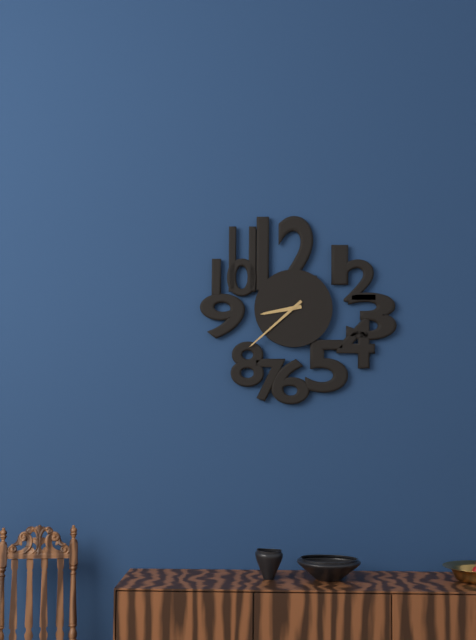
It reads 8:38
